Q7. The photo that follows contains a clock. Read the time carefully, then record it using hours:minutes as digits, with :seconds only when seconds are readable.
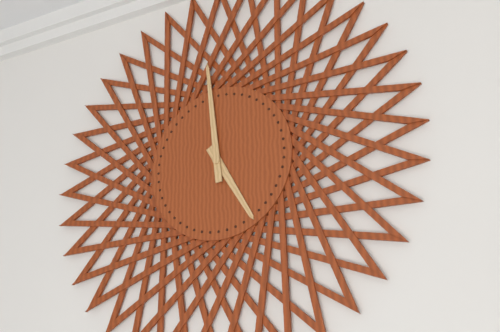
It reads 4:59
